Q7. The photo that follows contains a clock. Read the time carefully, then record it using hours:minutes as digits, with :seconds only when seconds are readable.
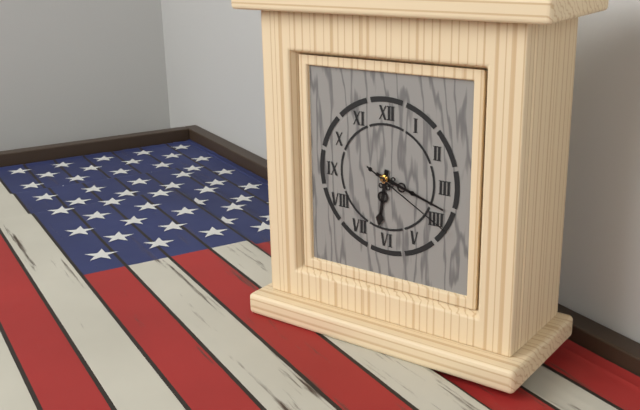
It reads 6:18:20
